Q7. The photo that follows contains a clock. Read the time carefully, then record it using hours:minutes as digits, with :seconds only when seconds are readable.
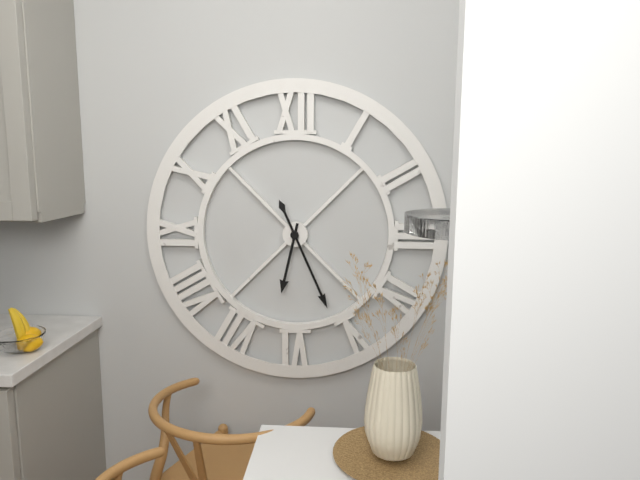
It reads 6:26
